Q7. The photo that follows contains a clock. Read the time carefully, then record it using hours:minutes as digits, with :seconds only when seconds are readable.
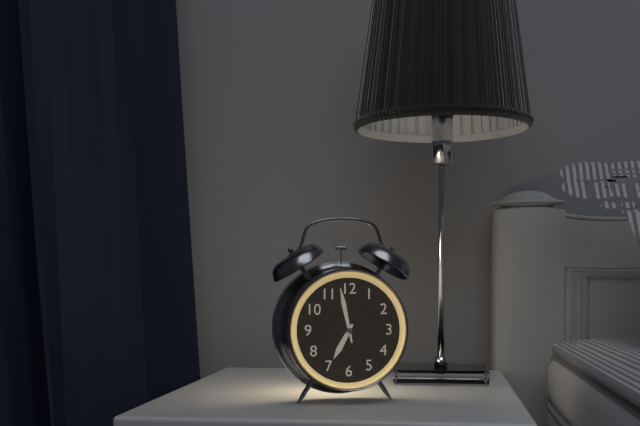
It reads 6:58
